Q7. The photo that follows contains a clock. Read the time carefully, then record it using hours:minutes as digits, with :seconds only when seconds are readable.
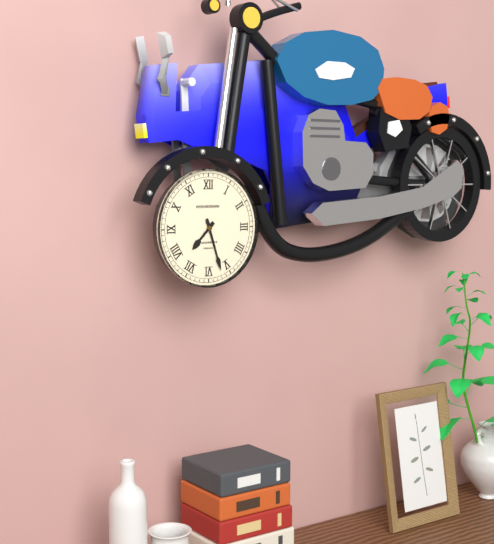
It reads 7:27
